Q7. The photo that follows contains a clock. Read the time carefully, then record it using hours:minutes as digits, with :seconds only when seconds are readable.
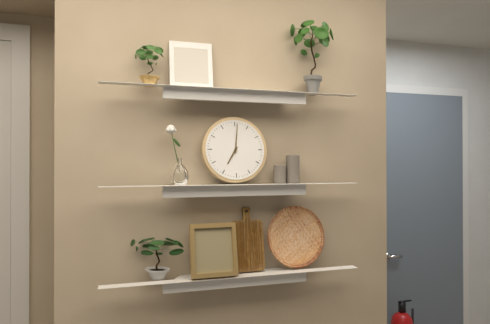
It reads 7:01
